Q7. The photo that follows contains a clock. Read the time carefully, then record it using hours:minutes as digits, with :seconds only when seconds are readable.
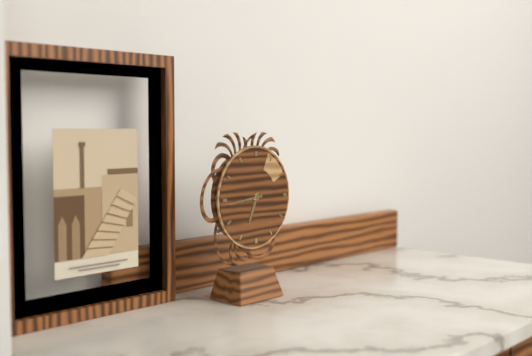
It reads 6:44
